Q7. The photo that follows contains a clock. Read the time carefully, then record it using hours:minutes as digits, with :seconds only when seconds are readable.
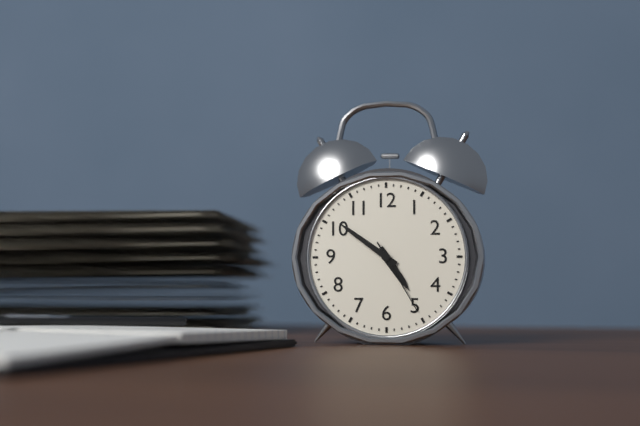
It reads 4:51:25
